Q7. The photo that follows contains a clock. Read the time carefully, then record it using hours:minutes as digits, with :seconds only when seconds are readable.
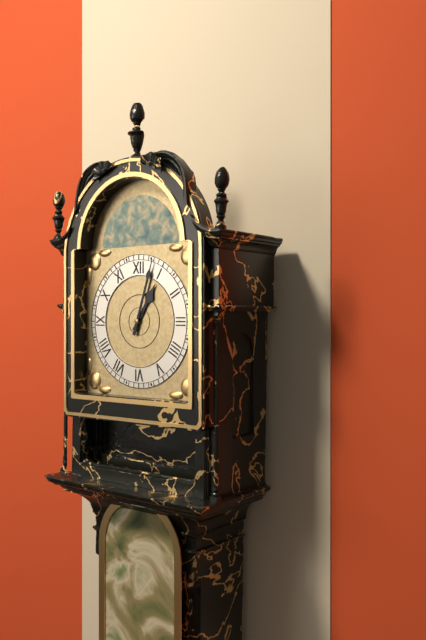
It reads 1:03
